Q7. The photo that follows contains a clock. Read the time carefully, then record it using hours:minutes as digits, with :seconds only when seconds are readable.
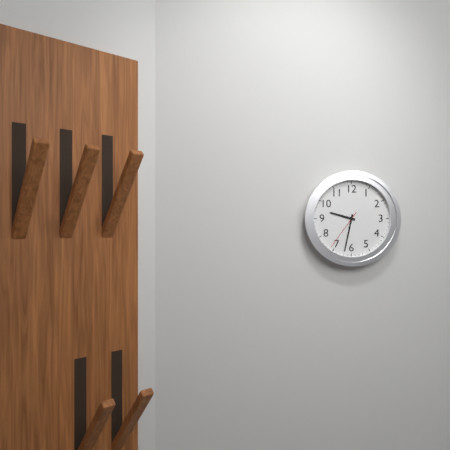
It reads 9:32
